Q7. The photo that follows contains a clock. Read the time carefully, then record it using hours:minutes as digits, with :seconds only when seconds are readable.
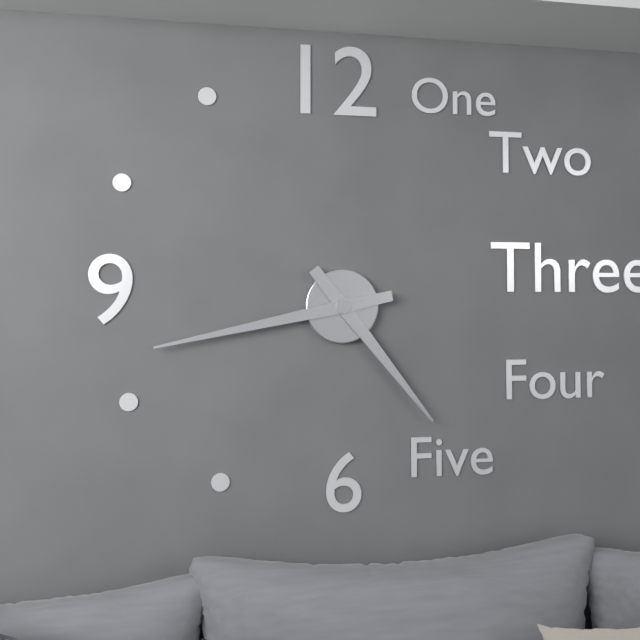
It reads 4:43
